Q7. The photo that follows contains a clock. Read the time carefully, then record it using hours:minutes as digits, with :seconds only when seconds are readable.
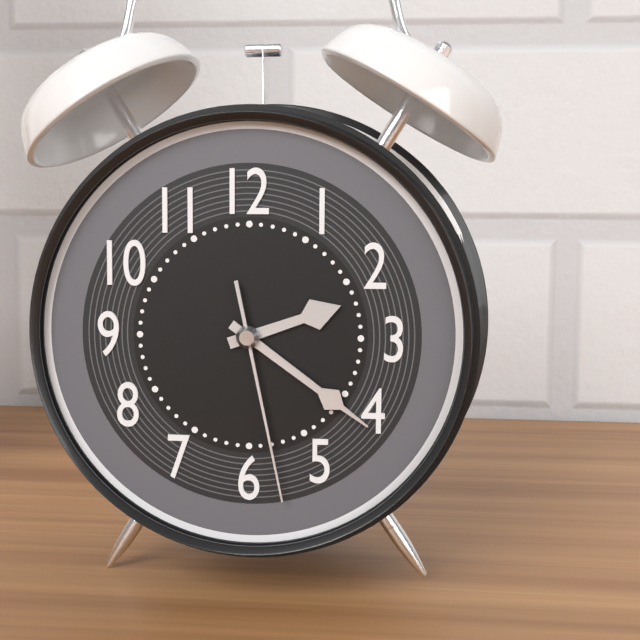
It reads 2:21:28
